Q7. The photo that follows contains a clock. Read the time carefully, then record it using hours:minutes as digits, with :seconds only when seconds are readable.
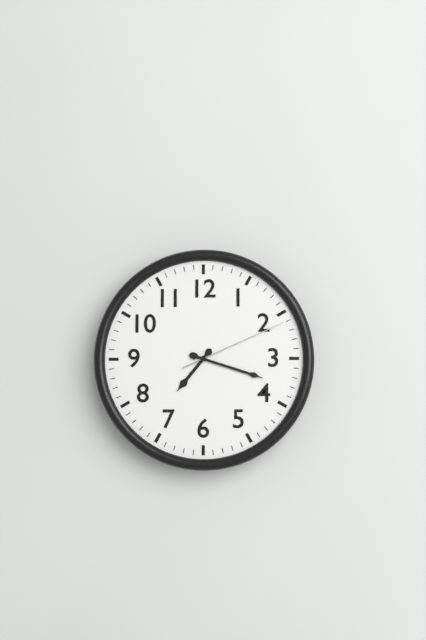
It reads 7:18:11
